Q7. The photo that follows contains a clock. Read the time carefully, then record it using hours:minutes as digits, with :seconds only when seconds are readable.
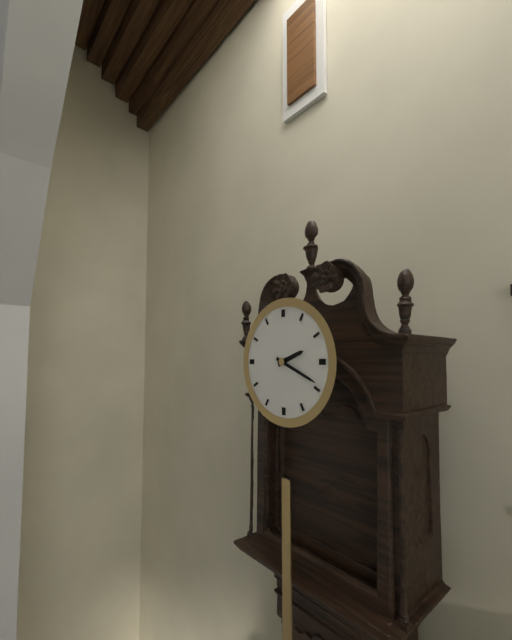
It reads 2:19
